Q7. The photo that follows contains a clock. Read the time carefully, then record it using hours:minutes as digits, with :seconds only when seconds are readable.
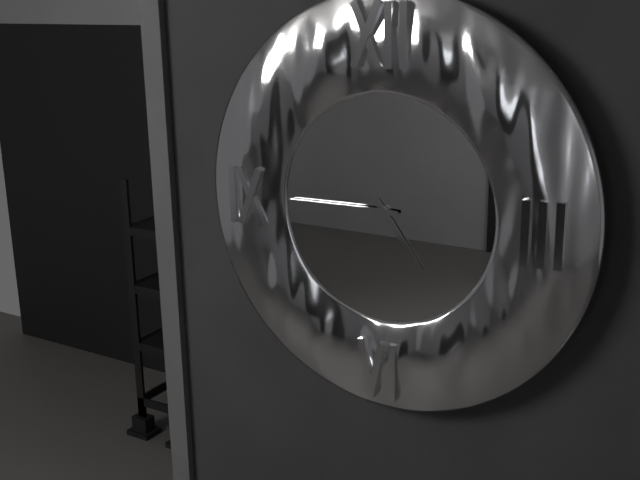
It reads 4:45
